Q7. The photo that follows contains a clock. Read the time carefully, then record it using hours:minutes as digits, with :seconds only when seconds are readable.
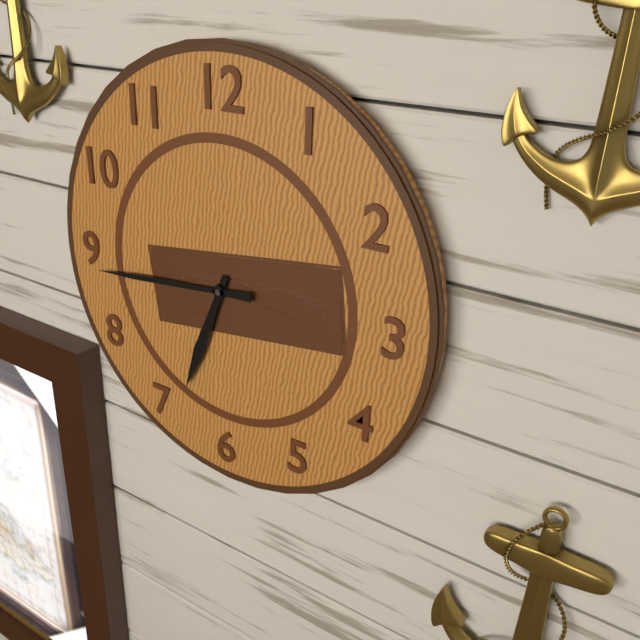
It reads 6:44
